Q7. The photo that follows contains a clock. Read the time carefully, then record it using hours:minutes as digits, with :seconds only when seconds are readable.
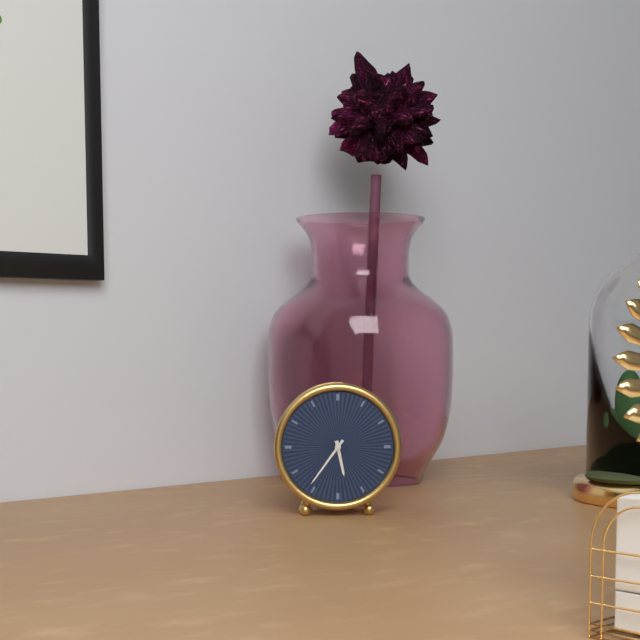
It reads 5:36
